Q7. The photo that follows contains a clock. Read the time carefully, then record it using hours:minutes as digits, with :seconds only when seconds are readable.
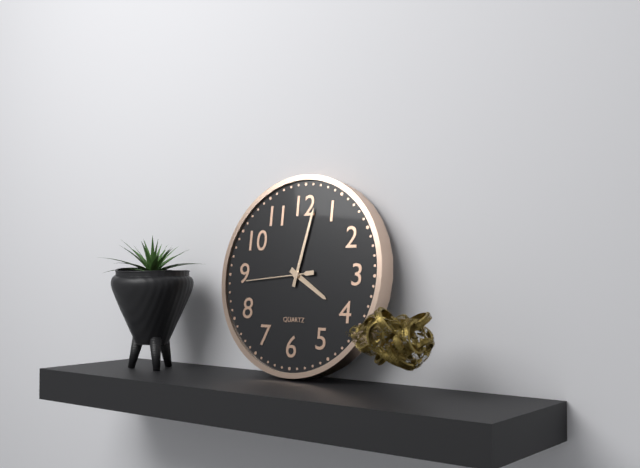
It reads 4:02:44
